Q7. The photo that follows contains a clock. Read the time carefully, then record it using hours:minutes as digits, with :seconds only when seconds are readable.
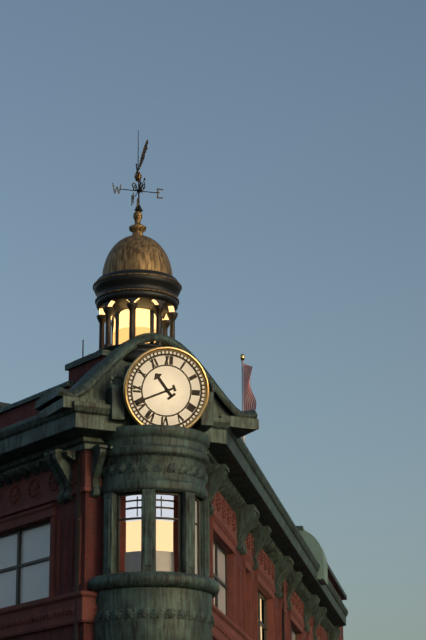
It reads 10:41
